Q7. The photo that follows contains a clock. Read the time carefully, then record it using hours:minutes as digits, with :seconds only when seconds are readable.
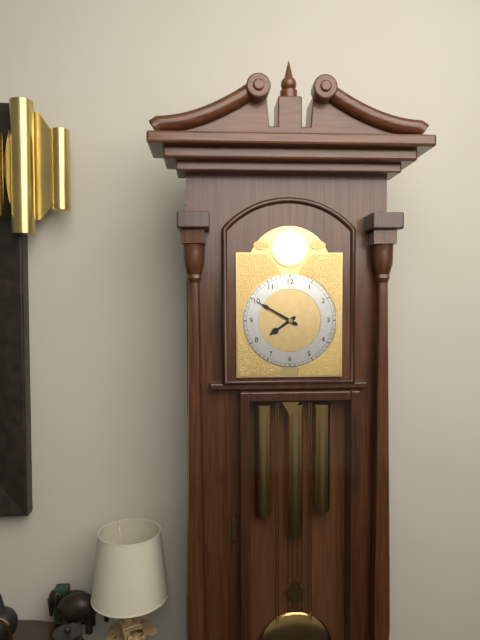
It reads 7:50
